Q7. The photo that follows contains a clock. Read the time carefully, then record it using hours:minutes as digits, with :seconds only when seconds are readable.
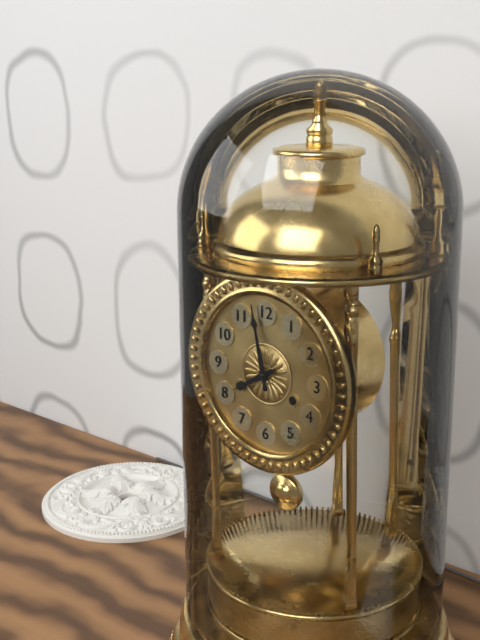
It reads 7:58
